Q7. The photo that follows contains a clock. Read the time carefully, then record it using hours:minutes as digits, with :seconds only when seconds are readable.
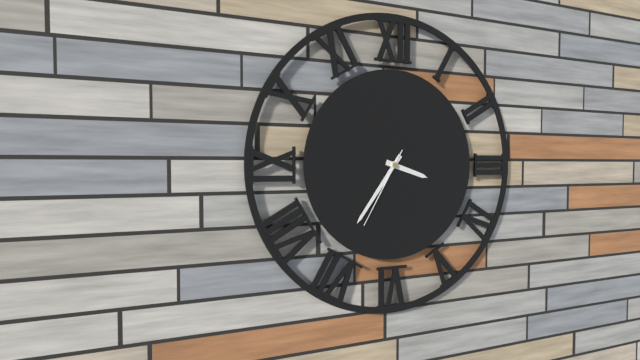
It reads 3:36:35
